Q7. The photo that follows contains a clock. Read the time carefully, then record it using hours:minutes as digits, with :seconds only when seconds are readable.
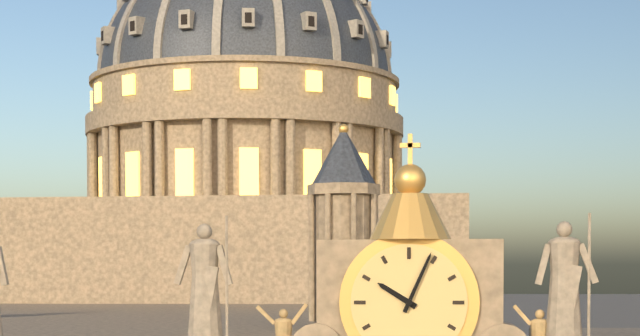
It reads 10:04
